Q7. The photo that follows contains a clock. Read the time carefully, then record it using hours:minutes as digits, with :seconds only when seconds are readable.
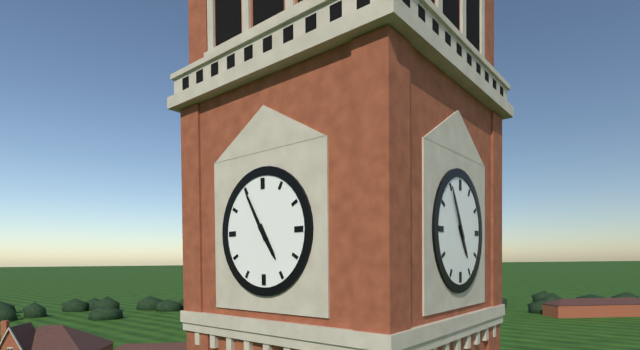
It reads 4:55
